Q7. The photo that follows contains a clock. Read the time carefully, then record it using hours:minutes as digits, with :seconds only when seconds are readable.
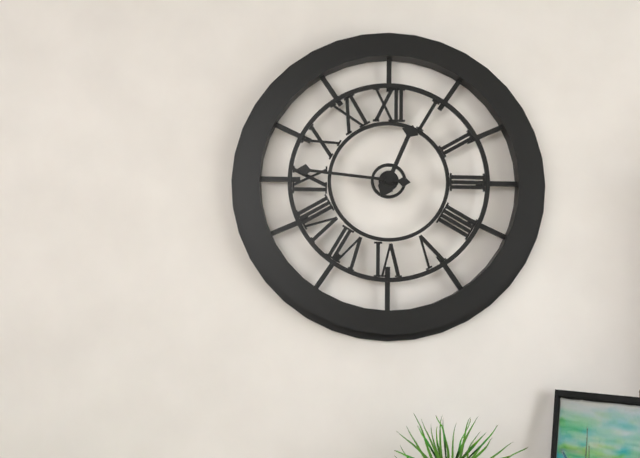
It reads 12:46
